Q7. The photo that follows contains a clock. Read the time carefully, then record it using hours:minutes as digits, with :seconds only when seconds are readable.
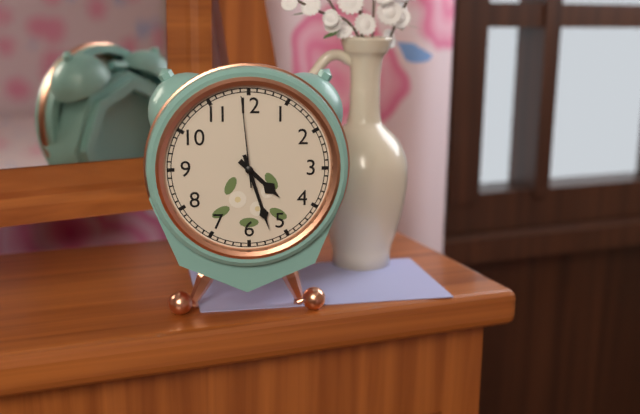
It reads 4:27:59
